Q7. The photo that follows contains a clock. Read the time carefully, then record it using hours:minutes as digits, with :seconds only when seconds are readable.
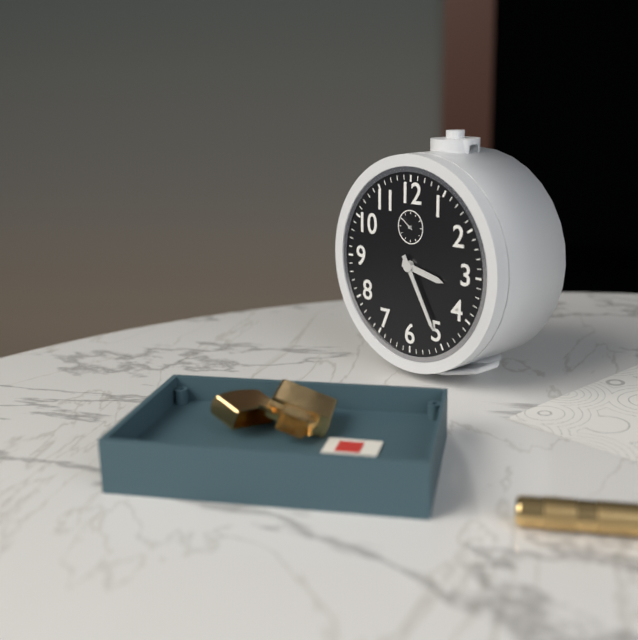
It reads 3:25
